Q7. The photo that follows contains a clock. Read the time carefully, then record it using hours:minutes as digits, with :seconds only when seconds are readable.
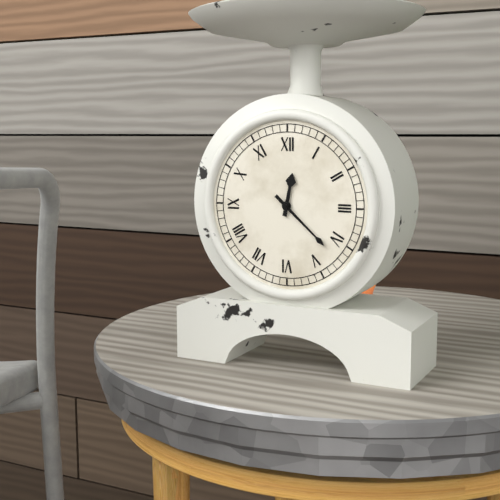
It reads 12:22
